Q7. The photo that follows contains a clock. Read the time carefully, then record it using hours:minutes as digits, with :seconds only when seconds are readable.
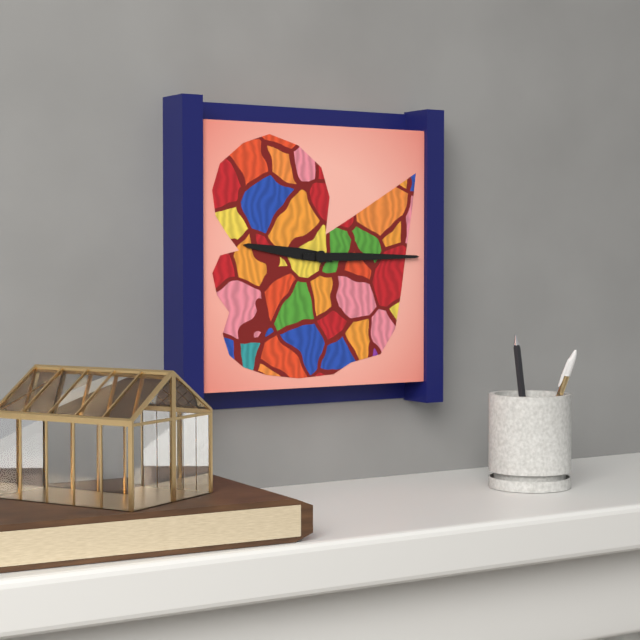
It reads 9:15
